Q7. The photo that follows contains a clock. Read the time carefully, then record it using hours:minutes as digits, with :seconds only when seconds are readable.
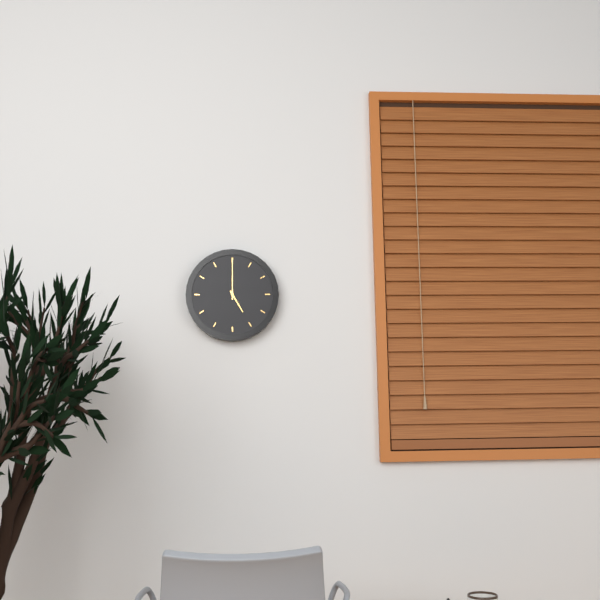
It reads 5:00
